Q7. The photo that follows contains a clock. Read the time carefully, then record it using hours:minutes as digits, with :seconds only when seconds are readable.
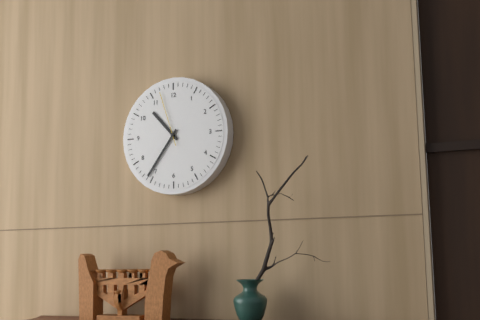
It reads 10:36:57
